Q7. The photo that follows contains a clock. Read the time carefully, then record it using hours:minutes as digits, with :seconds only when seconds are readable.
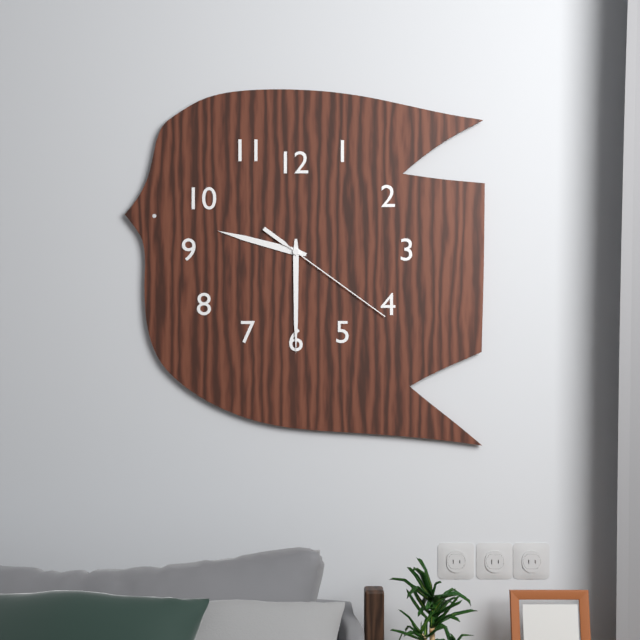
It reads 9:30:21
